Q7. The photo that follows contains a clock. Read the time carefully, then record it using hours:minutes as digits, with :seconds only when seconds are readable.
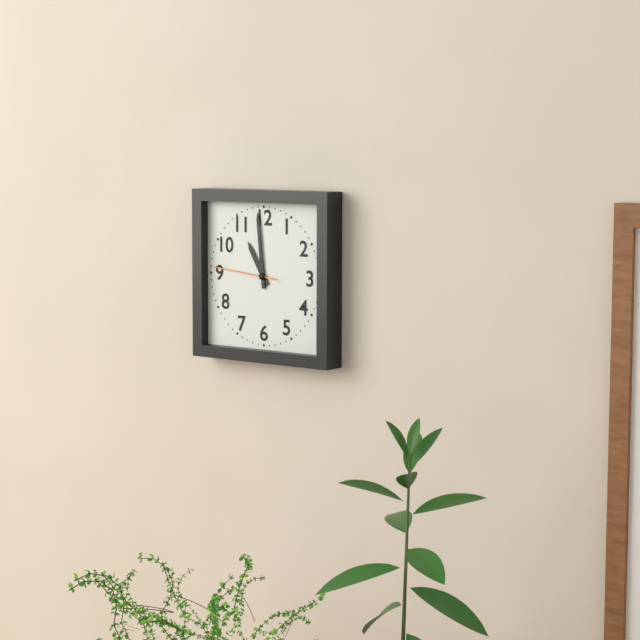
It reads 10:59:46
